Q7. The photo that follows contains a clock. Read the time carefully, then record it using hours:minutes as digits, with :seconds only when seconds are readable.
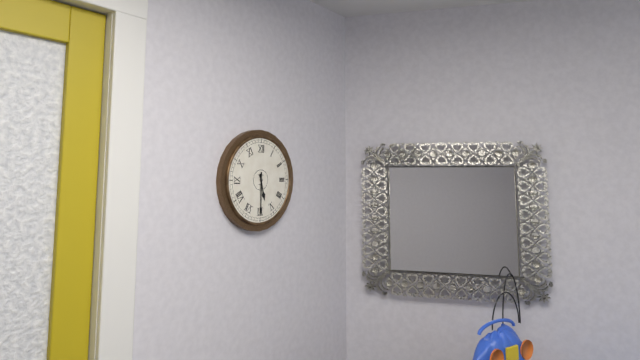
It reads 5:30
